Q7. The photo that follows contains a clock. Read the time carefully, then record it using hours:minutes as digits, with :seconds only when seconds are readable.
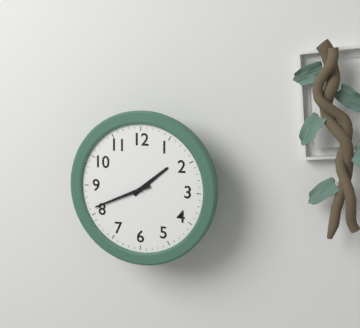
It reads 1:41
